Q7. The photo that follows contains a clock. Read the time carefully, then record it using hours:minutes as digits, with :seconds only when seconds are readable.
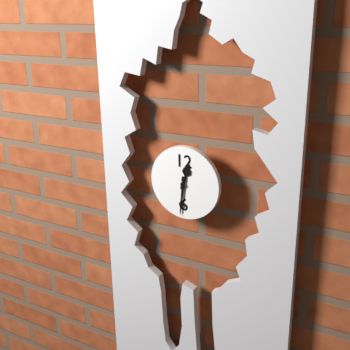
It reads 12:31
